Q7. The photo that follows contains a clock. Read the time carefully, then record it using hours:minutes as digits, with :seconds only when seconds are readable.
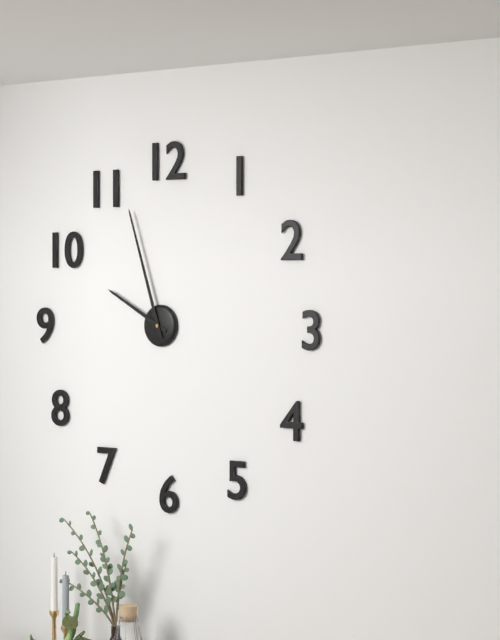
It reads 9:57
